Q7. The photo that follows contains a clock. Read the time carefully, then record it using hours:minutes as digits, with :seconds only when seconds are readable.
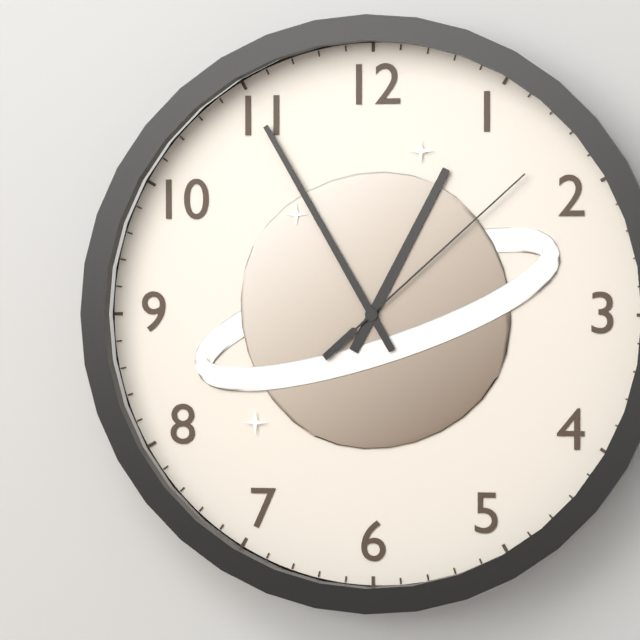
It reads 12:55:08
